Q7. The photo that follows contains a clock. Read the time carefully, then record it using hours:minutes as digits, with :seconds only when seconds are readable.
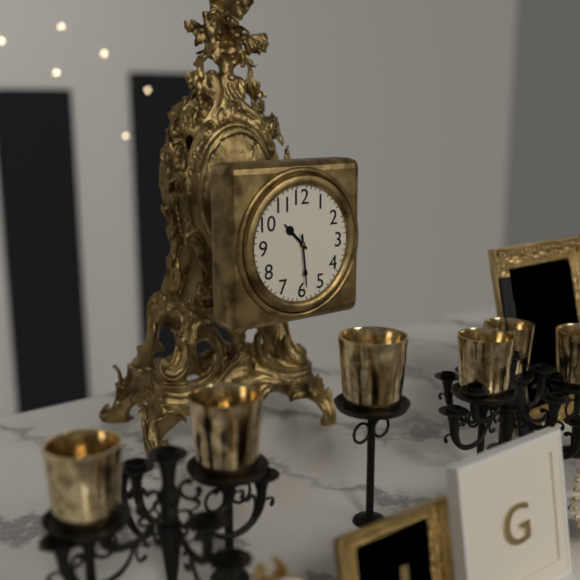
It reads 10:29
